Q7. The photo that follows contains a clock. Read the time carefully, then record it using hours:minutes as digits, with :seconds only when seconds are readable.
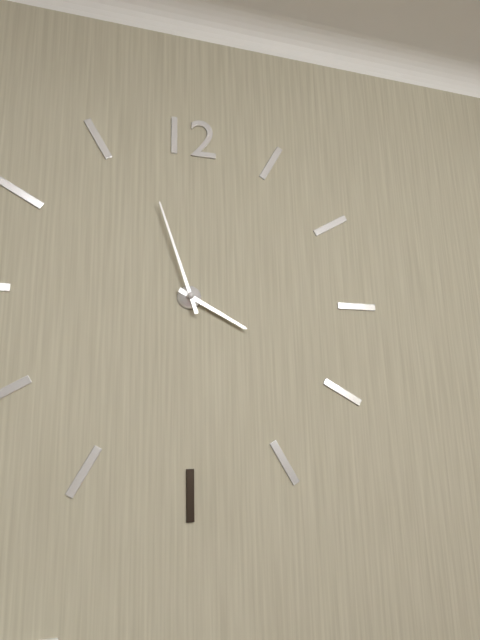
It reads 3:57
